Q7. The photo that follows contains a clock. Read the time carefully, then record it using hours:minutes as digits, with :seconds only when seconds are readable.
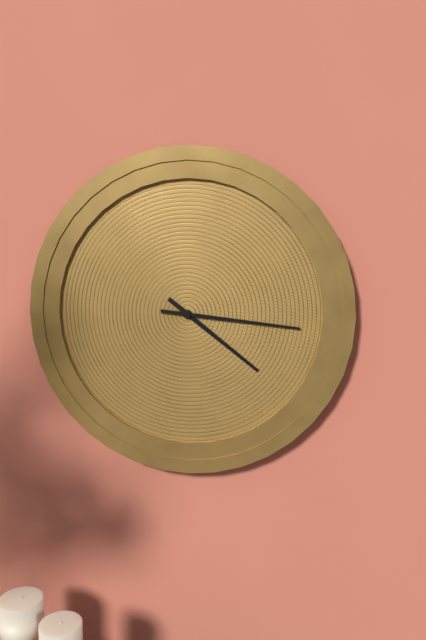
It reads 4:16
